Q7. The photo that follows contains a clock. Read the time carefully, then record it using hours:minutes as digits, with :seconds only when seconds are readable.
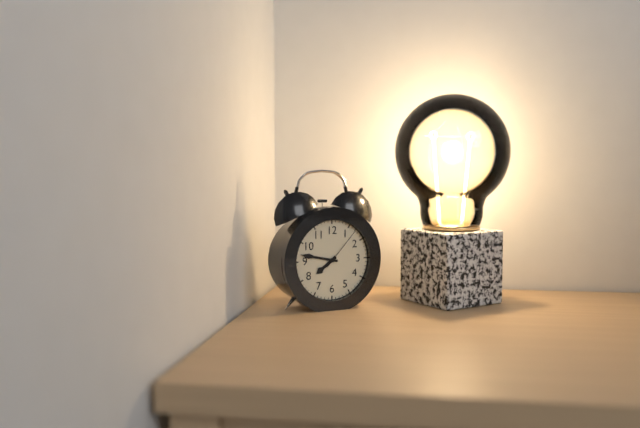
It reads 7:47
